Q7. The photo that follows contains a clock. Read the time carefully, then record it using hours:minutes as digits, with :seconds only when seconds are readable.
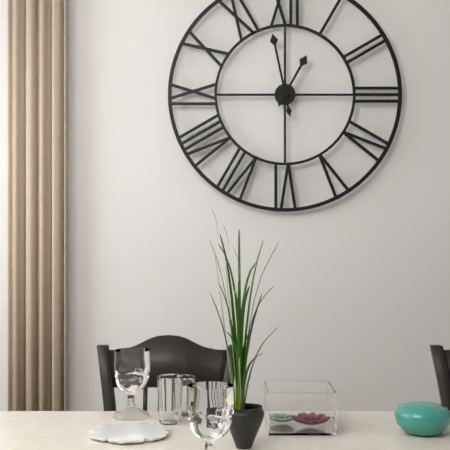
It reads 12:58
